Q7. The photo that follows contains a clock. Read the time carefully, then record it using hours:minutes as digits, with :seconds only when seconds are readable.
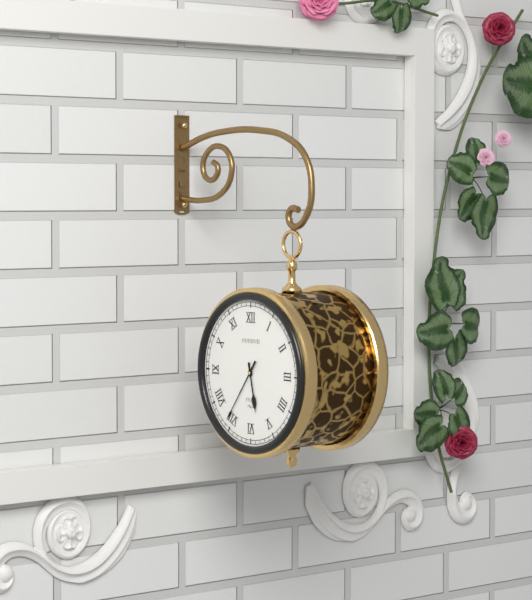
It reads 5:36
